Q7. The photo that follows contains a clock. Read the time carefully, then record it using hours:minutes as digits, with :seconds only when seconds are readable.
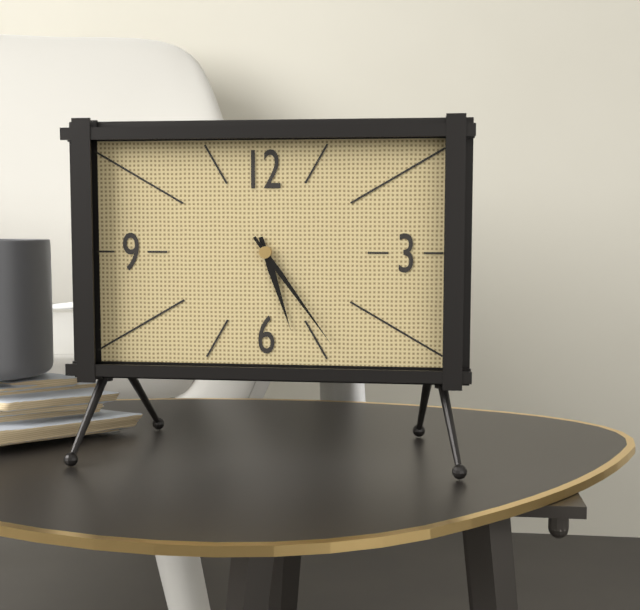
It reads 5:24
